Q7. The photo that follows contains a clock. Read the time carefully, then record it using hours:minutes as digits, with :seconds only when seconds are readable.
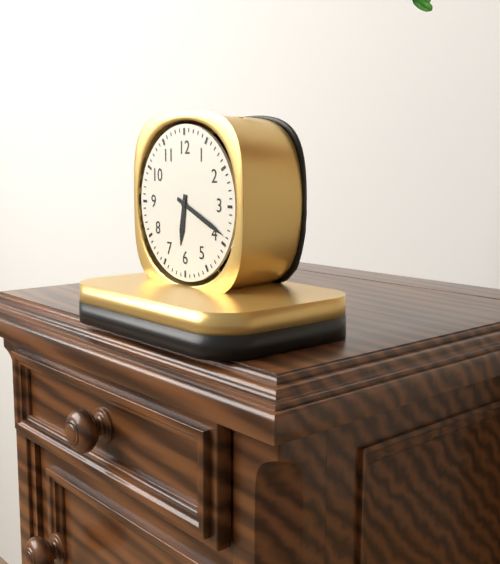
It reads 6:19
